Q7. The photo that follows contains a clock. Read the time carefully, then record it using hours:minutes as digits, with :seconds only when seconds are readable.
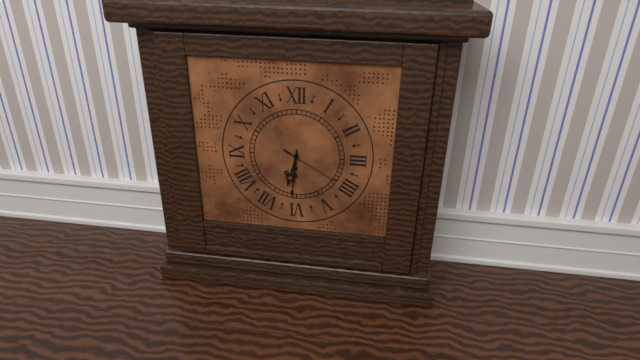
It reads 6:31:20
